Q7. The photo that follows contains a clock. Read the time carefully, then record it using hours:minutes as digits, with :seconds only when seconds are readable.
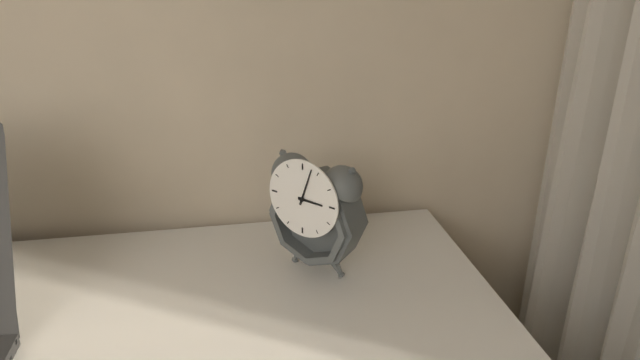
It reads 3:03
